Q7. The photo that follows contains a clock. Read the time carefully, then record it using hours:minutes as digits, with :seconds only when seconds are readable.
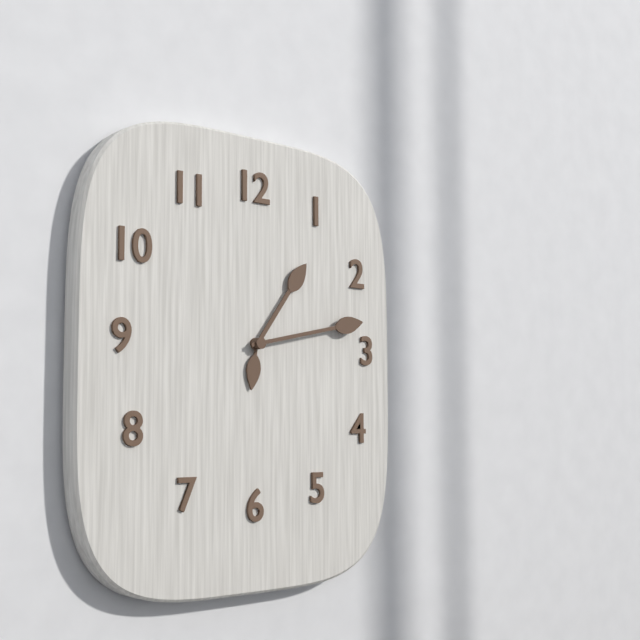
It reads 1:13
